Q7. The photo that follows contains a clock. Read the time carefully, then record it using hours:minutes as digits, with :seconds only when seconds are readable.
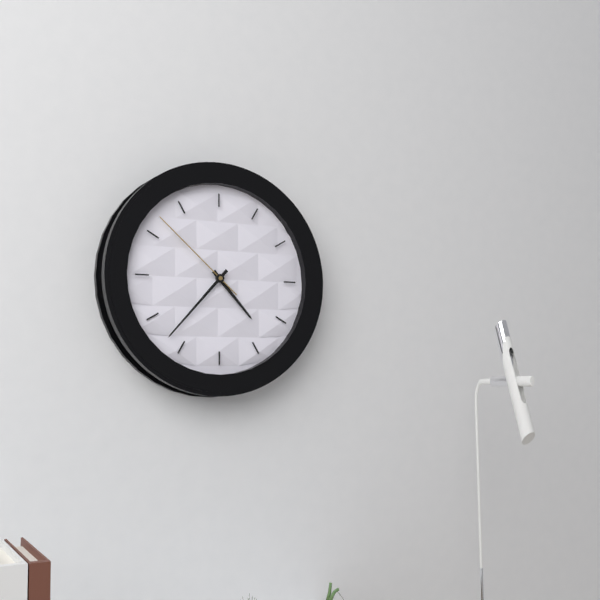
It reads 4:37:52
